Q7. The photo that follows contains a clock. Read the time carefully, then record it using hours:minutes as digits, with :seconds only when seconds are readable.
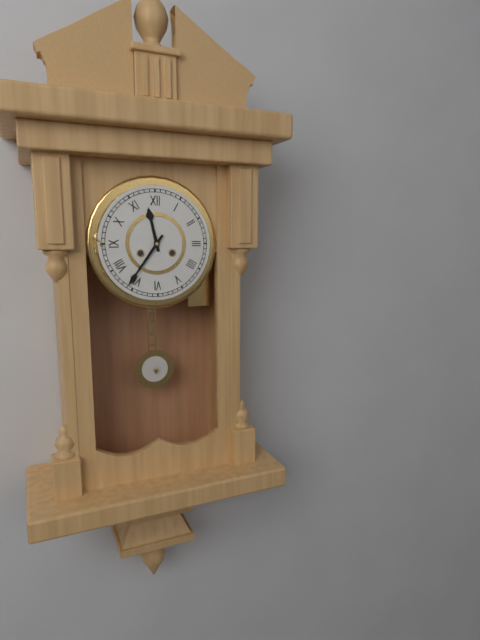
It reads 11:36
